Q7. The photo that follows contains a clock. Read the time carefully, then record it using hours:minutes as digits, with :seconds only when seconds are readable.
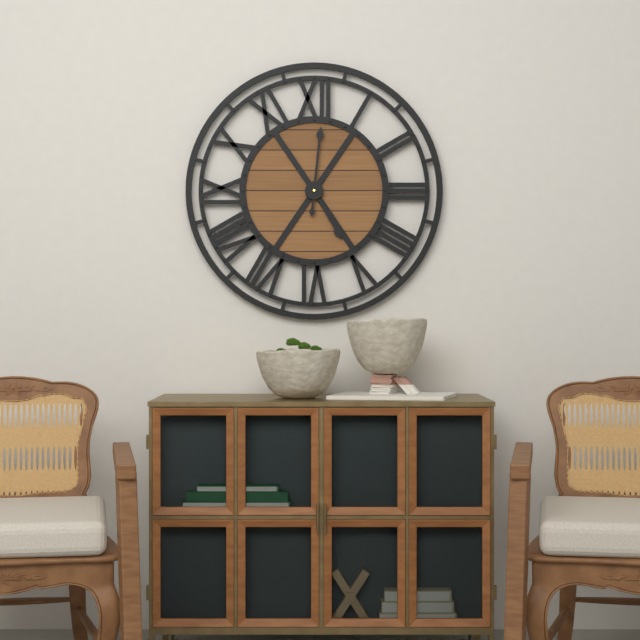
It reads 5:01
